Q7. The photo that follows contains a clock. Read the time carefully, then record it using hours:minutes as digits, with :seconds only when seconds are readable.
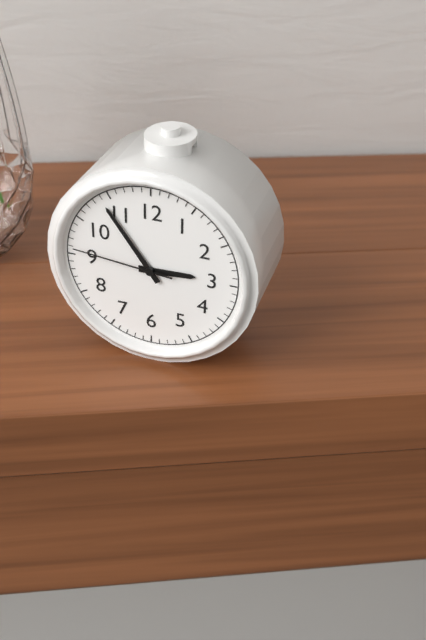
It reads 2:54:46
